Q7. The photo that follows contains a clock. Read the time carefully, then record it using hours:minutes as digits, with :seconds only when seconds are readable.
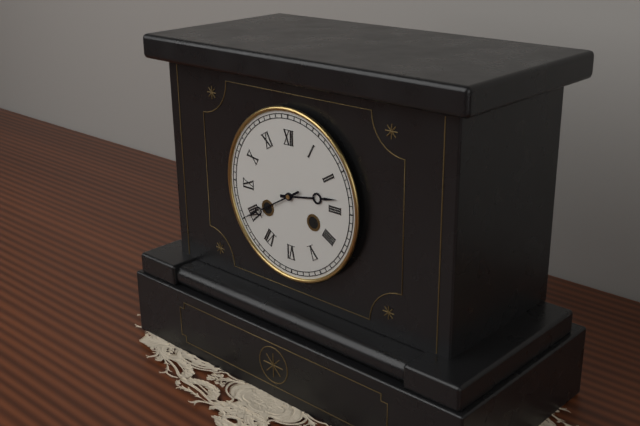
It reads 2:40
